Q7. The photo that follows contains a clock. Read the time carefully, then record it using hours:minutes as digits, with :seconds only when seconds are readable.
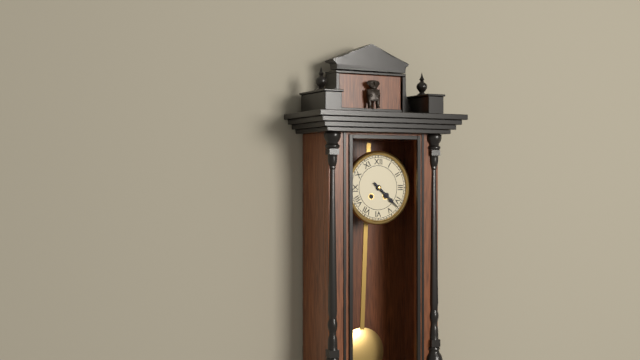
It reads 4:22
